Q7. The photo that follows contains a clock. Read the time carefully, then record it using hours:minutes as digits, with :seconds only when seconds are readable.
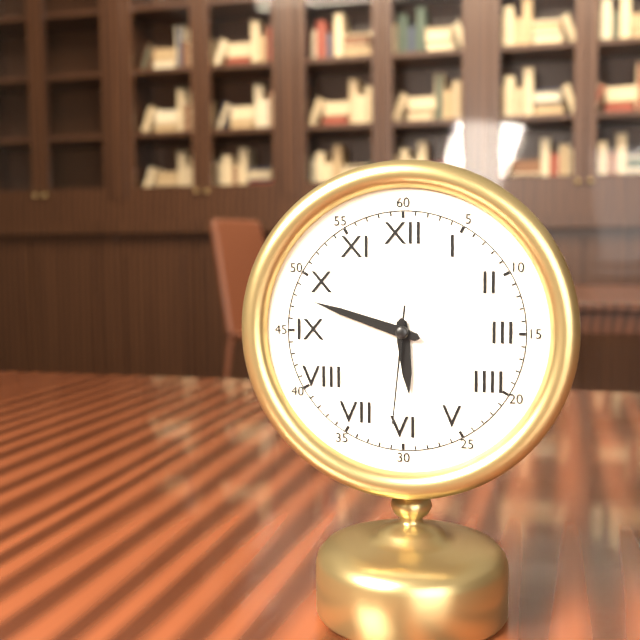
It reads 5:48:31
